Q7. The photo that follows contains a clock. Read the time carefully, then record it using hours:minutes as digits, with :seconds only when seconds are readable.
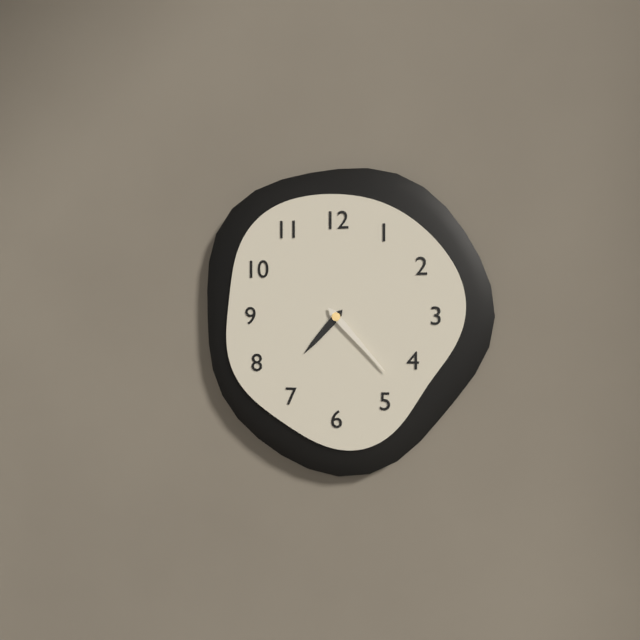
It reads 7:23
